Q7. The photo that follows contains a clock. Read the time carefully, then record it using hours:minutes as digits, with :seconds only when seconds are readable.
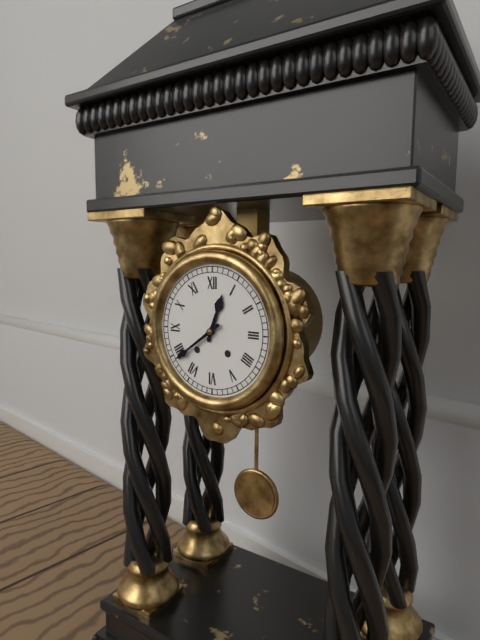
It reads 12:39
